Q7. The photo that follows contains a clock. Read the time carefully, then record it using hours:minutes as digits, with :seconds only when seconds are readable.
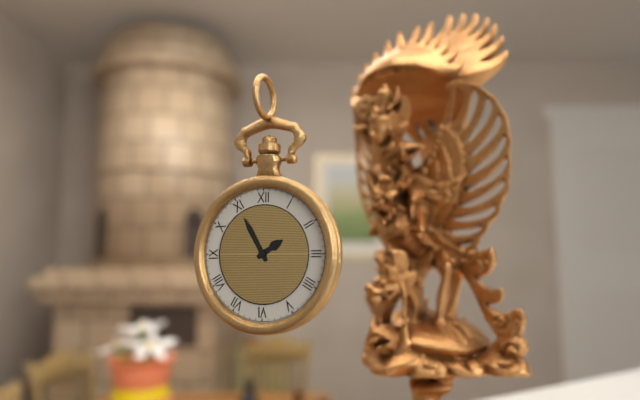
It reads 1:55
